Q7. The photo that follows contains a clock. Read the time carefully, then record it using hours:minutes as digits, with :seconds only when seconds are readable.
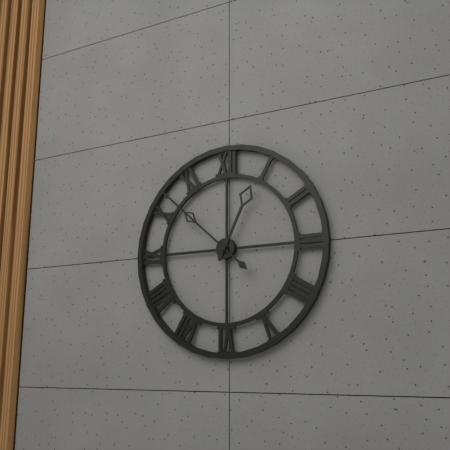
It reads 12:52
